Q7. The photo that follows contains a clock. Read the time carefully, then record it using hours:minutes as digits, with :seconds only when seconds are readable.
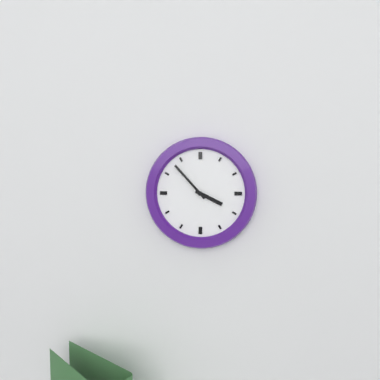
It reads 3:53
